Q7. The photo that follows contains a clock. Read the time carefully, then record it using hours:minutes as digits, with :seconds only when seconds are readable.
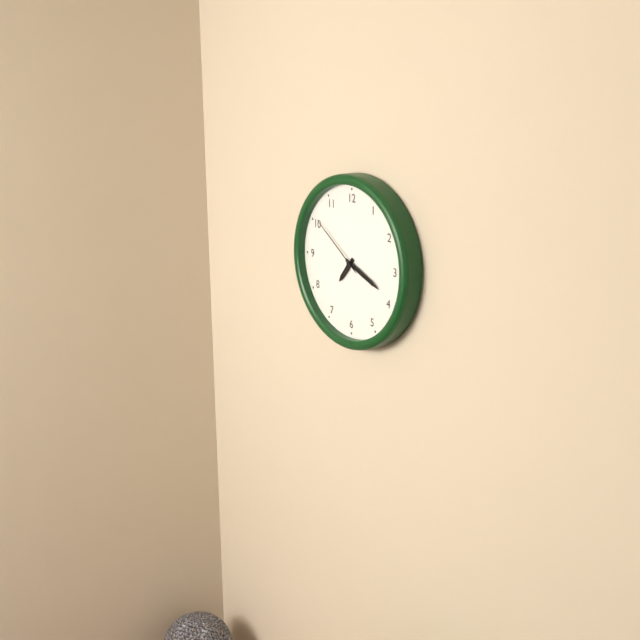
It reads 7:19:51
